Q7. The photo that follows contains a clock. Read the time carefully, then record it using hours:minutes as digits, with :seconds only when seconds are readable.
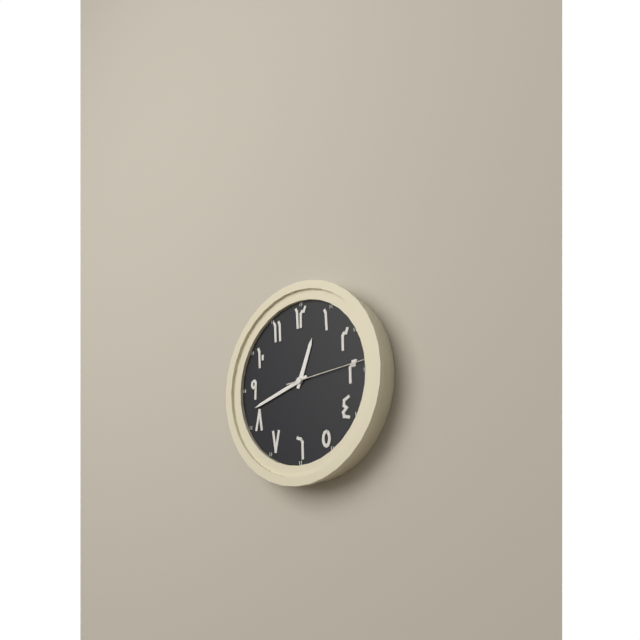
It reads 12:42:14
